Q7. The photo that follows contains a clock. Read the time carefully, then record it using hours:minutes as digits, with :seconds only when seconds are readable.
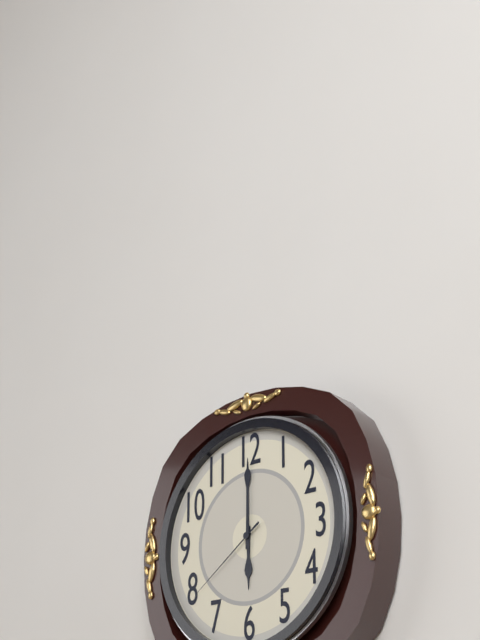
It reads 6:00:39
